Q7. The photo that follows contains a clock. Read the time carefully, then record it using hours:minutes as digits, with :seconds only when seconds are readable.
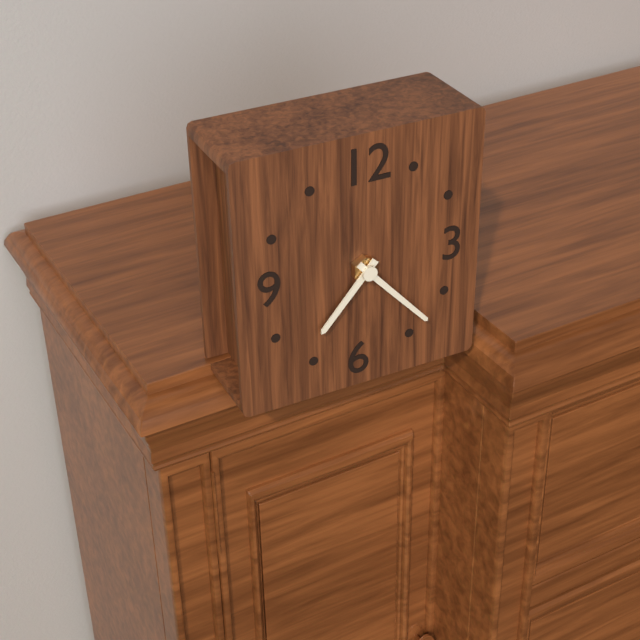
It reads 7:23
